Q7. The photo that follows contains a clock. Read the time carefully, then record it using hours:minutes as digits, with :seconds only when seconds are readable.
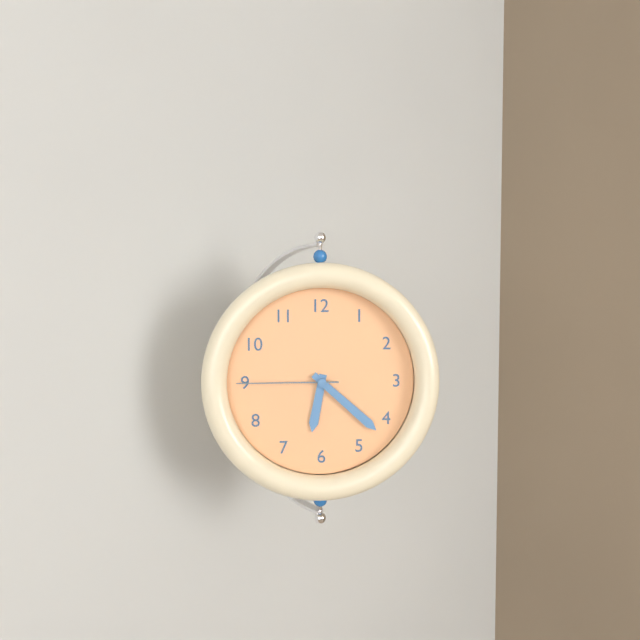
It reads 6:22:45
